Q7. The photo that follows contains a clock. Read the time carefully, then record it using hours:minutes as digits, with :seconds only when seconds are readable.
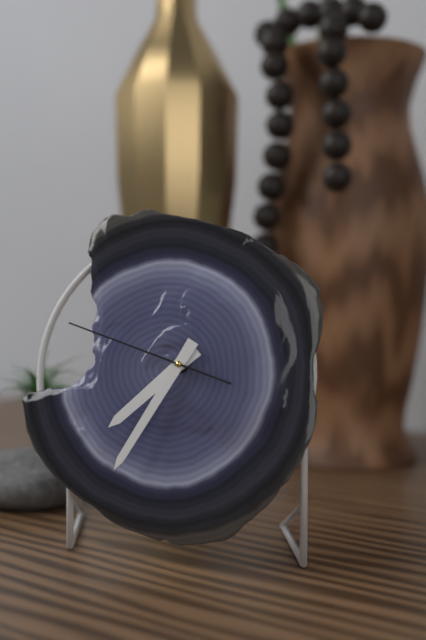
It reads 7:35:48
